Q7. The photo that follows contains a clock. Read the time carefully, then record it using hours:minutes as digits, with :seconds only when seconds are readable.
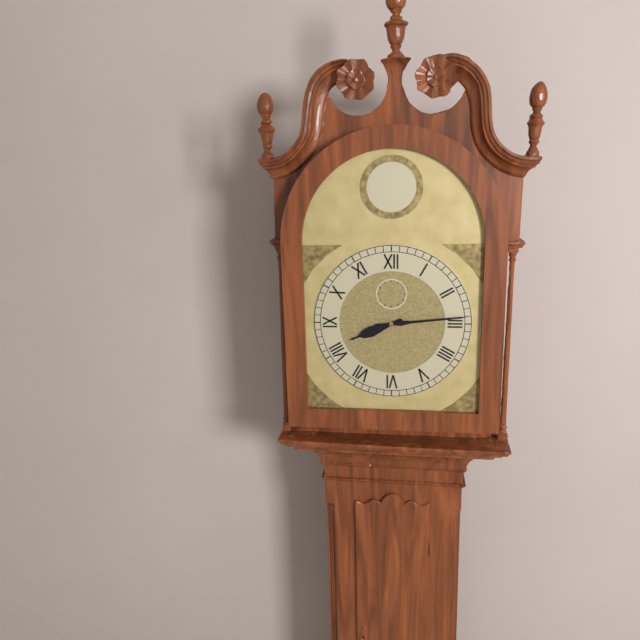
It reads 8:14
